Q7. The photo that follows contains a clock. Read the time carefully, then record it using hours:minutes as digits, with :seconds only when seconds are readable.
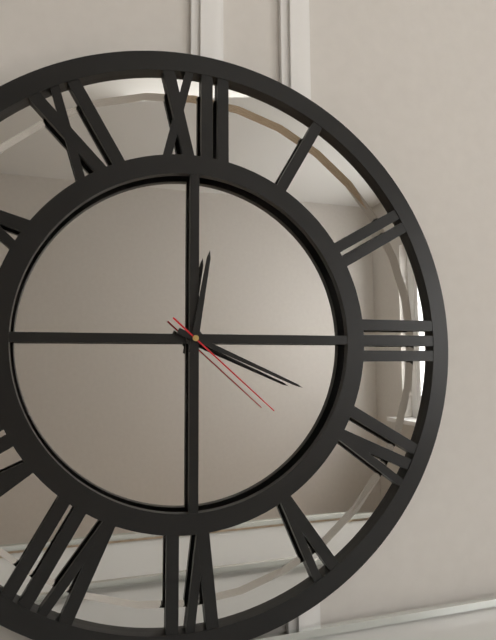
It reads 12:19:22
